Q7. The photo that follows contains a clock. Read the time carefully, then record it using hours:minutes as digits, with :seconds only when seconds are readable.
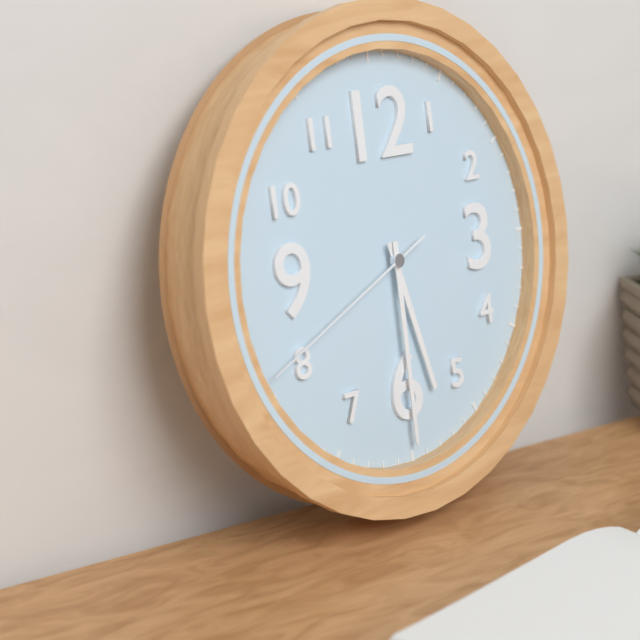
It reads 5:30:41
